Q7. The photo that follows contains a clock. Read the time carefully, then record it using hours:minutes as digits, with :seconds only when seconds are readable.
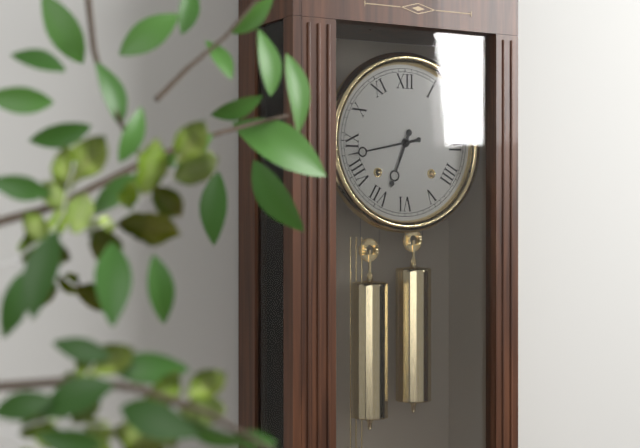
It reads 6:43
